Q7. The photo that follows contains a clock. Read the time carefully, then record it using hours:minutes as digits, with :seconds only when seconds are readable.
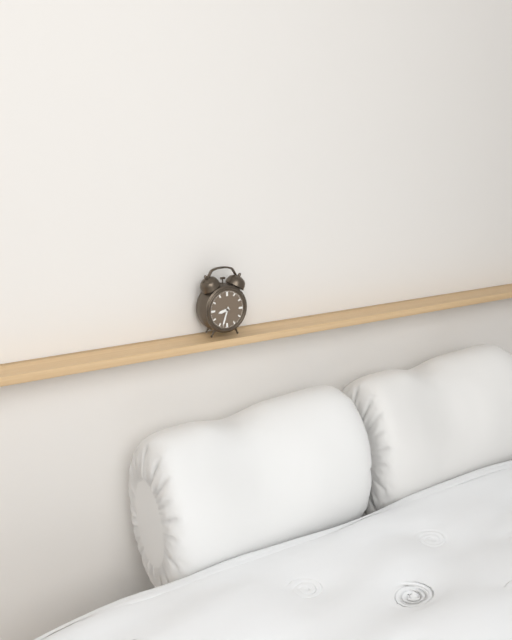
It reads 8:33
